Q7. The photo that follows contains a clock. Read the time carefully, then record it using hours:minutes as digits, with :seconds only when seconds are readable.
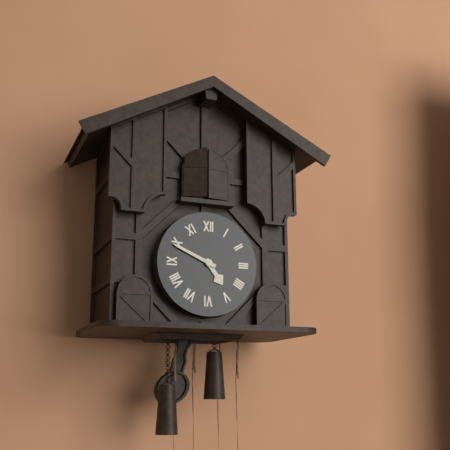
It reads 4:49
